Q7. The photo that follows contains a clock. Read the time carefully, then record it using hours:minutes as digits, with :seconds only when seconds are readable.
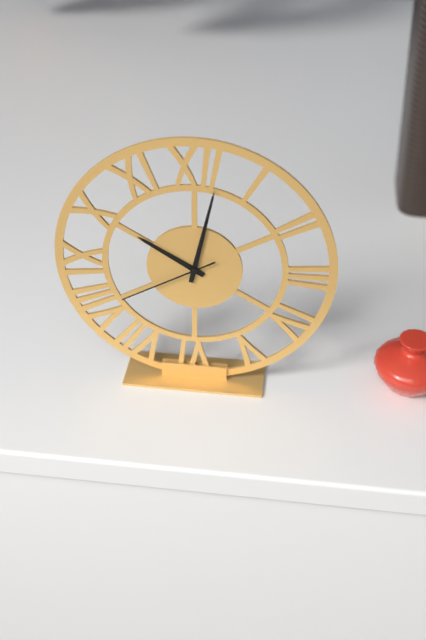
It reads 10:02:40
